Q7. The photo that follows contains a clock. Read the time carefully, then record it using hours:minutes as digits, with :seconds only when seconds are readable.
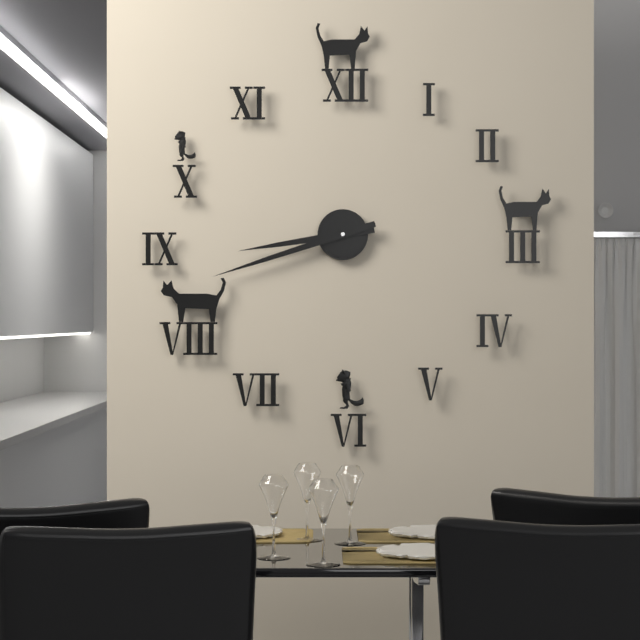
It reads 8:42
